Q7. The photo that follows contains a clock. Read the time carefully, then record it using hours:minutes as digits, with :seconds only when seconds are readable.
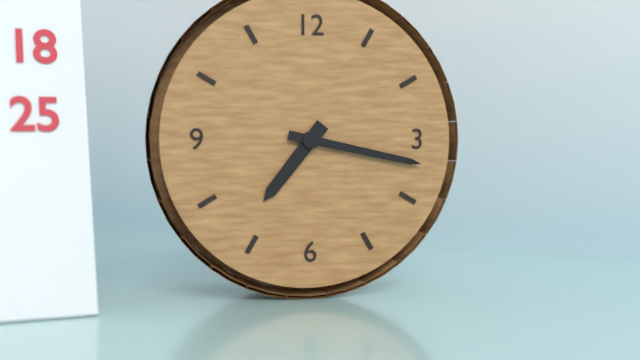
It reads 7:17
